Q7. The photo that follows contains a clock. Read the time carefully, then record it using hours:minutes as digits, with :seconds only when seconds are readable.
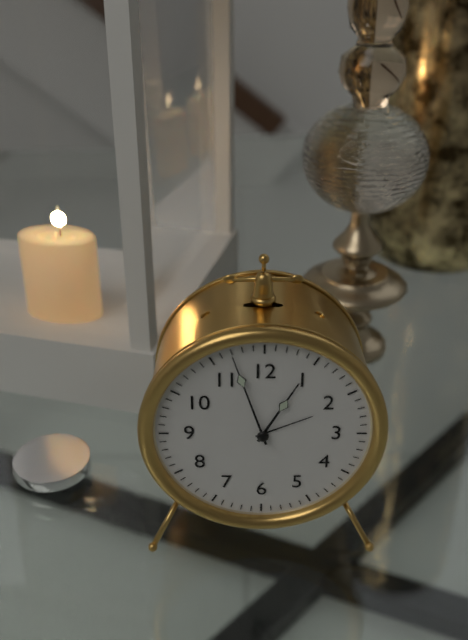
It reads 12:57
